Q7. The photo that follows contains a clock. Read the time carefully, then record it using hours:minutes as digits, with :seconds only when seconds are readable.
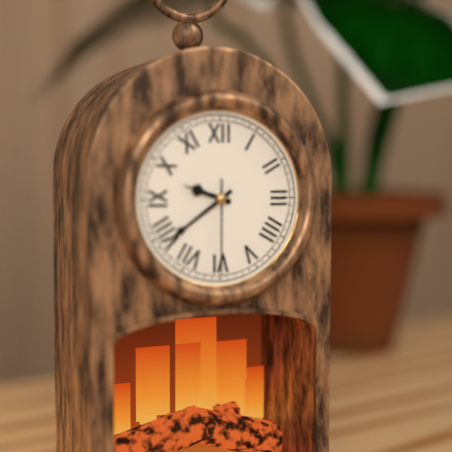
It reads 9:39:30
